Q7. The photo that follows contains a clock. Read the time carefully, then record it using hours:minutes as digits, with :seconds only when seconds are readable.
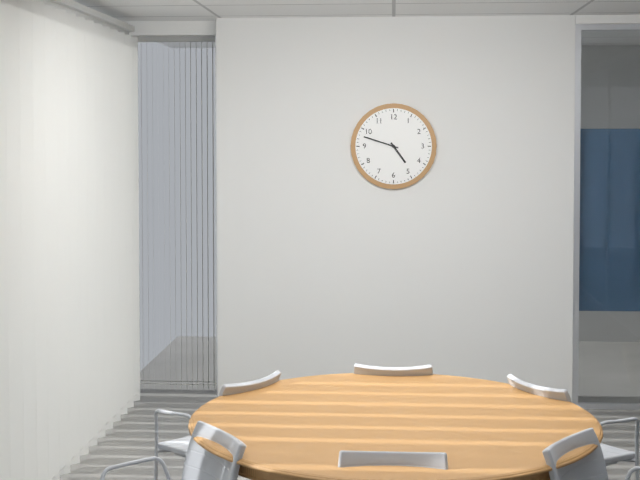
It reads 4:48
